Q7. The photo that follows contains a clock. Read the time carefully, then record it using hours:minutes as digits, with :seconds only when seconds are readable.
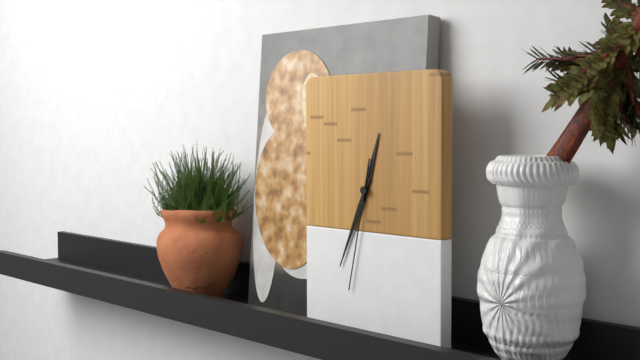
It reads 12:34:32
